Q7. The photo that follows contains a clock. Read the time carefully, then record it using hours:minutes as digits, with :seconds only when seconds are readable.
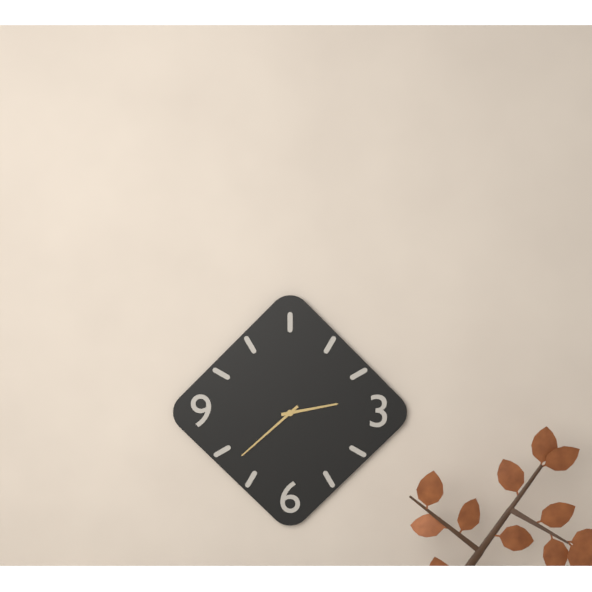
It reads 2:38
